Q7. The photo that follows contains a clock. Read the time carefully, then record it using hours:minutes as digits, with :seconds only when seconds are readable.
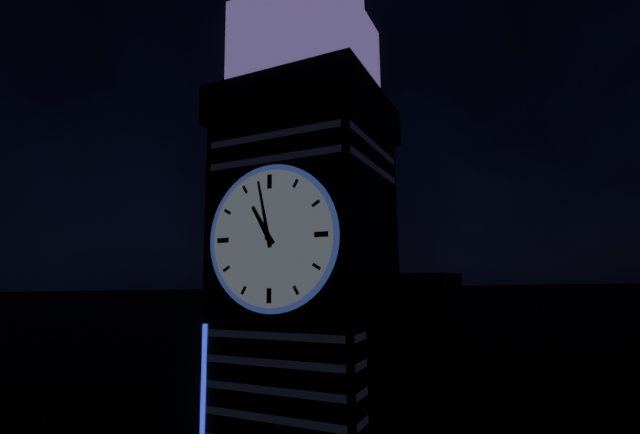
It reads 10:58
